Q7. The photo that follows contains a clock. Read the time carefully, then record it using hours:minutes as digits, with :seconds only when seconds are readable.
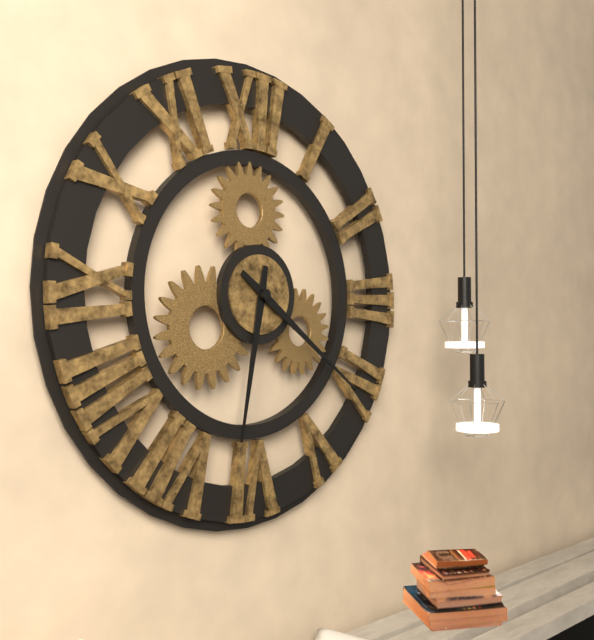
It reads 6:21
